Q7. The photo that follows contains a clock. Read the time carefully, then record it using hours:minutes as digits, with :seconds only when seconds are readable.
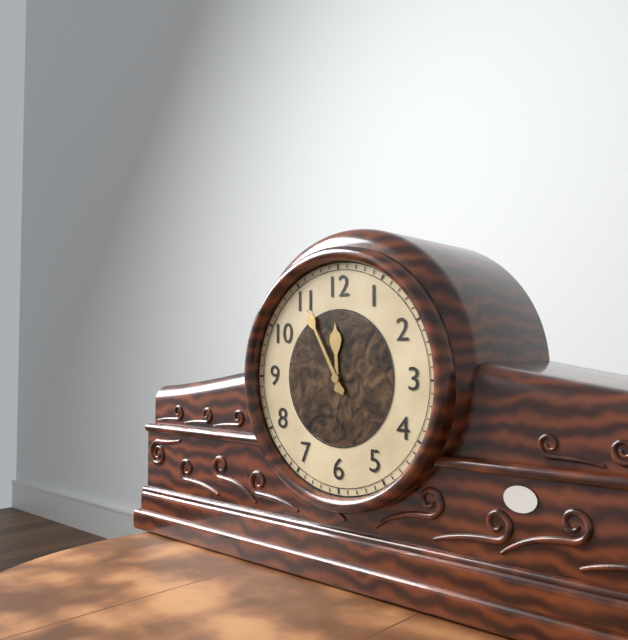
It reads 11:55
